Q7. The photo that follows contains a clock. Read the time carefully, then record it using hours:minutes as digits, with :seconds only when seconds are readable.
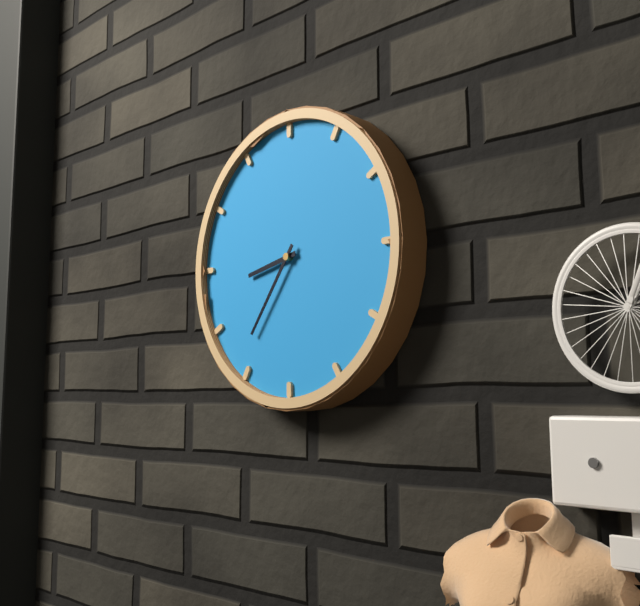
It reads 8:36
